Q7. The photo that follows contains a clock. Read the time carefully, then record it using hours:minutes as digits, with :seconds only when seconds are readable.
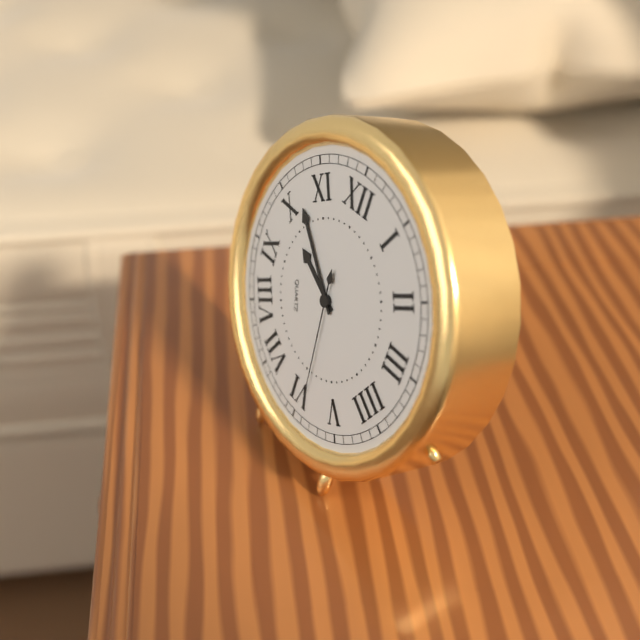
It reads 9:52:29
